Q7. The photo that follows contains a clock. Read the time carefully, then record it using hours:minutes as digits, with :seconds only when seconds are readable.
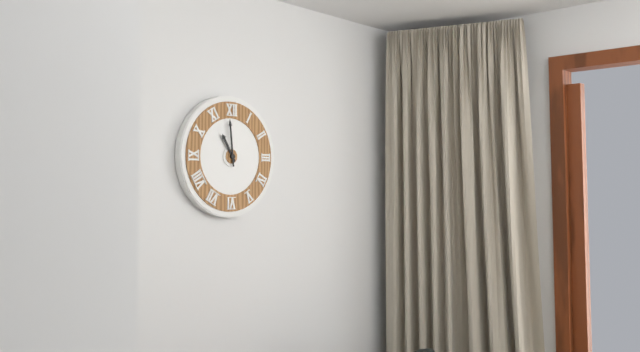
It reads 10:59
